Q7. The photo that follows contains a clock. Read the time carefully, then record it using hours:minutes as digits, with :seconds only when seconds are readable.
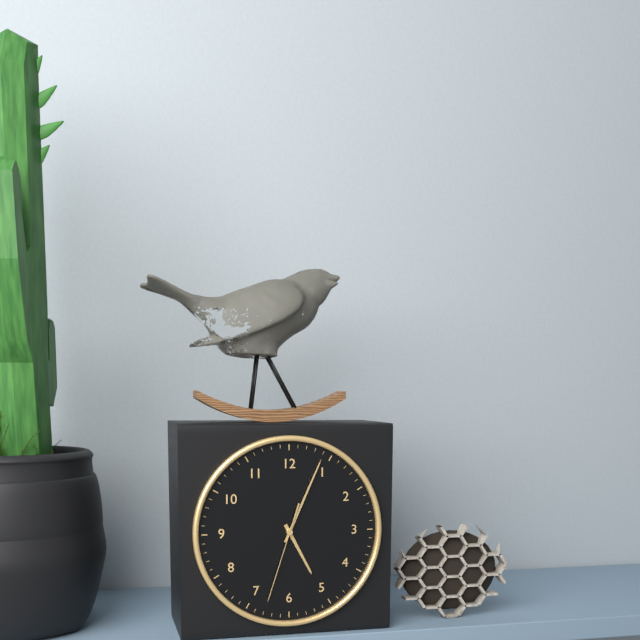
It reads 5:04:33
